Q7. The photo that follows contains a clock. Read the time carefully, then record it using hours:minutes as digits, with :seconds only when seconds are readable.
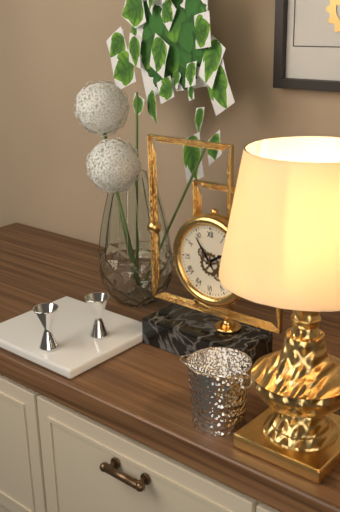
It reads 1:54
